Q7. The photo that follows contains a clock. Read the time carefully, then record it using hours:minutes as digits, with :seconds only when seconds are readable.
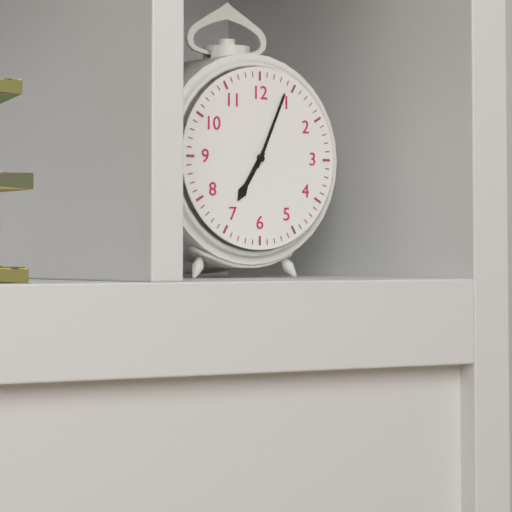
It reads 7:04
